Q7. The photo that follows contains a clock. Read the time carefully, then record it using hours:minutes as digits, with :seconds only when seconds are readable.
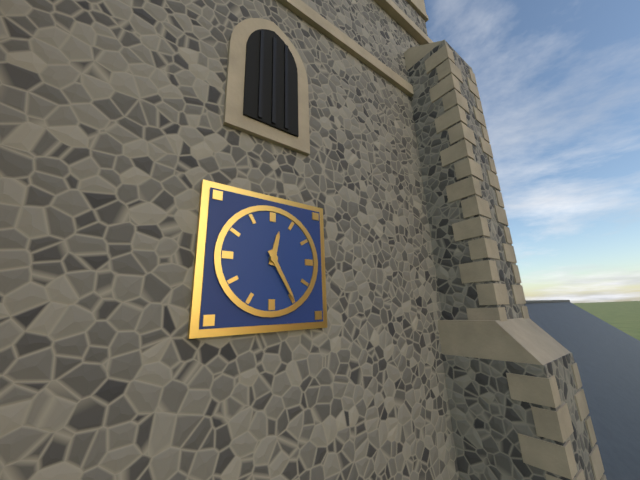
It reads 12:25
